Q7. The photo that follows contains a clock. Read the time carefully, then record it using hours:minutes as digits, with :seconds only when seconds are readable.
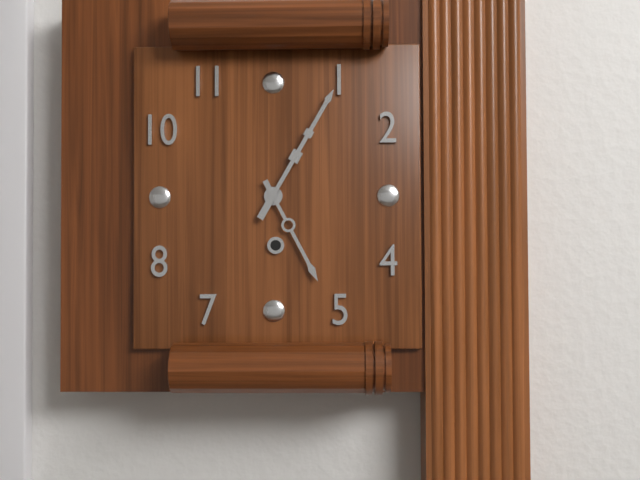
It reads 5:05
